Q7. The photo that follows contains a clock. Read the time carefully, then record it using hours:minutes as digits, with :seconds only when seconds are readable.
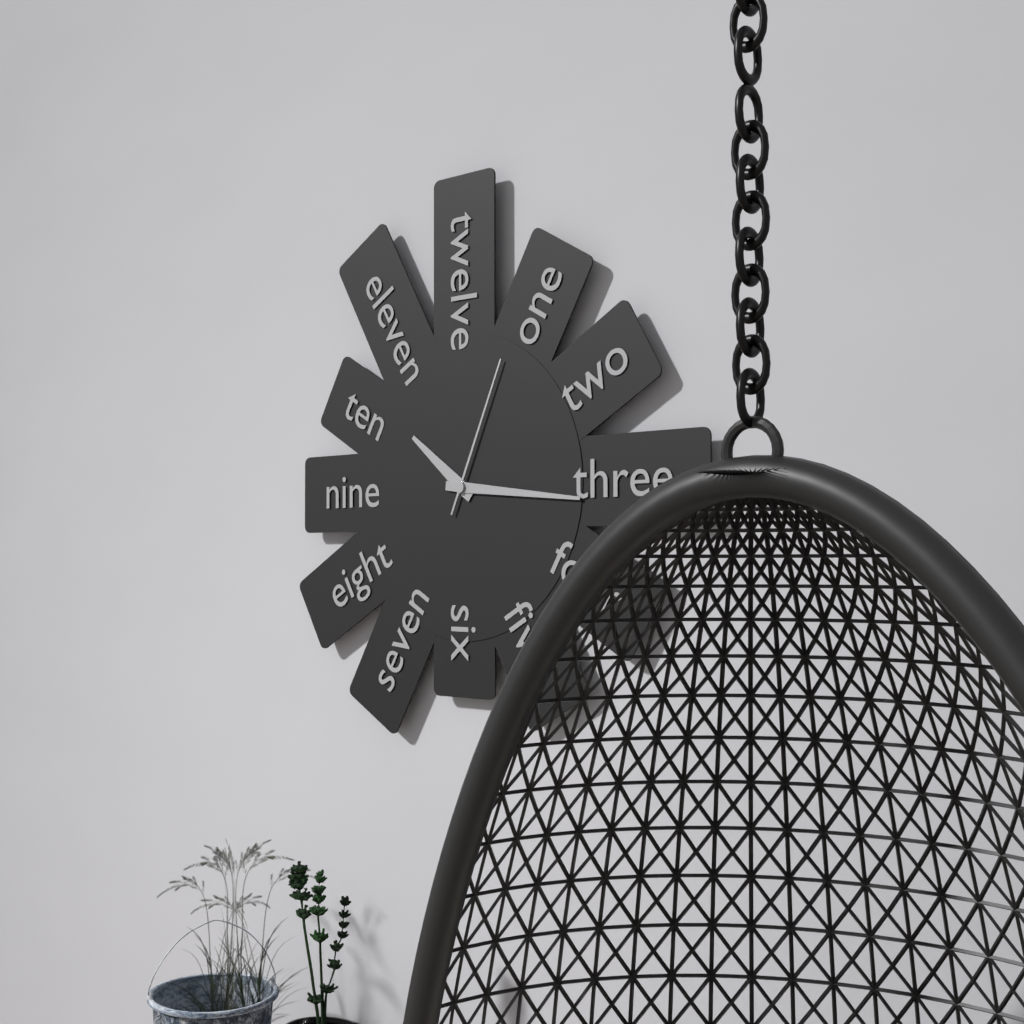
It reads 10:16:04
